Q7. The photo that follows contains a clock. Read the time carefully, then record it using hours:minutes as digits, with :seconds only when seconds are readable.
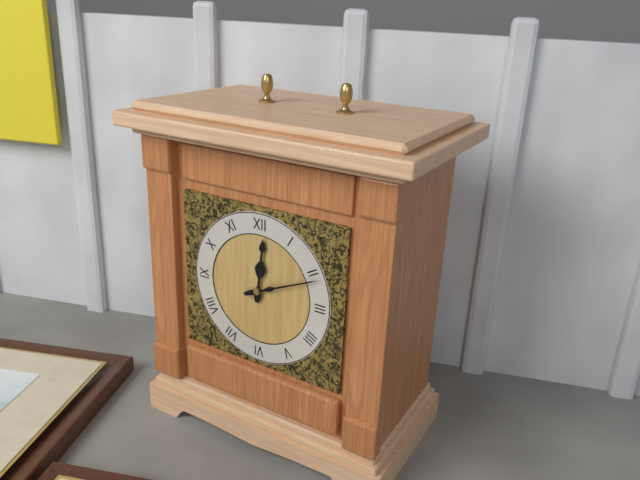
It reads 12:11
